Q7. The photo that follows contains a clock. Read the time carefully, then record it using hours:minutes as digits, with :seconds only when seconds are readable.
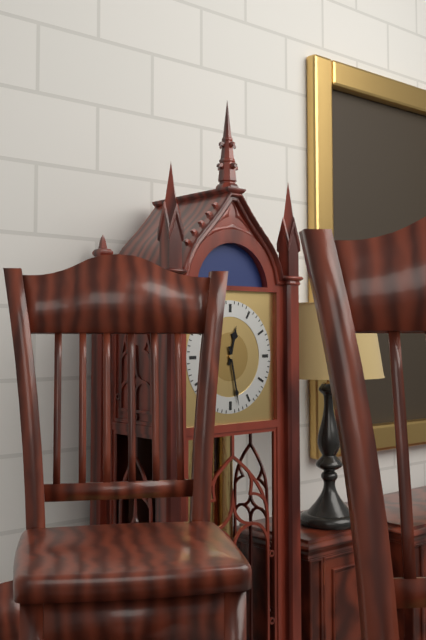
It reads 12:28
